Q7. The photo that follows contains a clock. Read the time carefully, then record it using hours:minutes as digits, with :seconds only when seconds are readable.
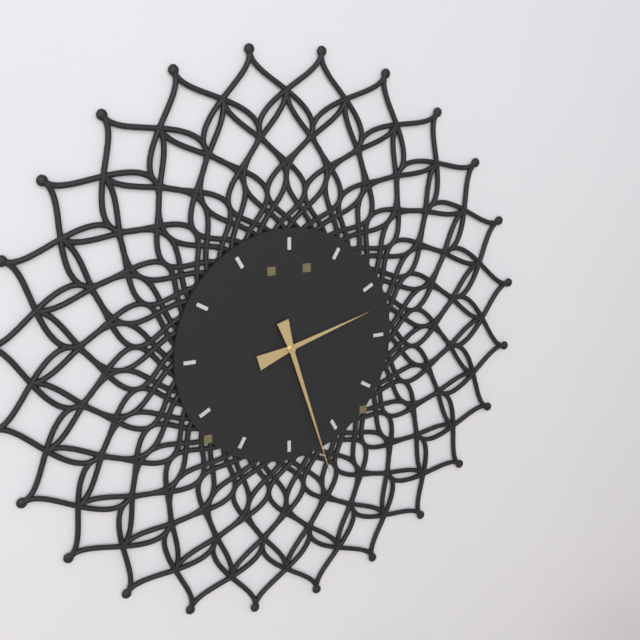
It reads 2:27
